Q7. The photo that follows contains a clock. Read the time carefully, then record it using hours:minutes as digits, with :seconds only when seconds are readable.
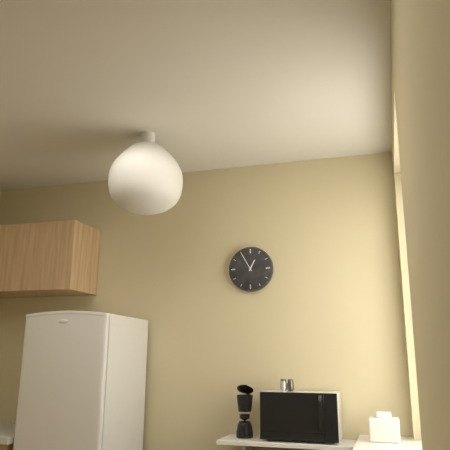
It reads 12:55
